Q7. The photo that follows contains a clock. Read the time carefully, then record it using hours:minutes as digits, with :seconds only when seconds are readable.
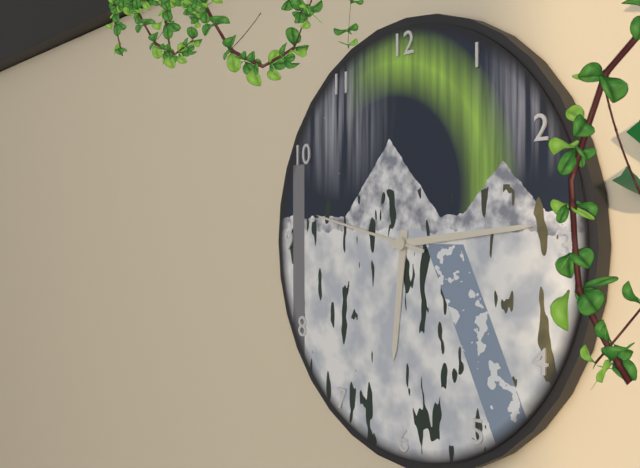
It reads 6:14:47
